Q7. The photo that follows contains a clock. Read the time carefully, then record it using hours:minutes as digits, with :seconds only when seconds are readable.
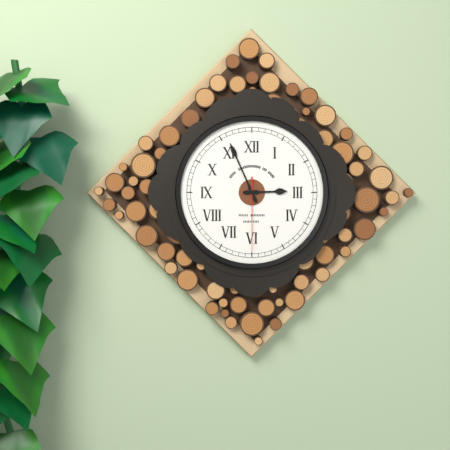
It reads 2:56:30
